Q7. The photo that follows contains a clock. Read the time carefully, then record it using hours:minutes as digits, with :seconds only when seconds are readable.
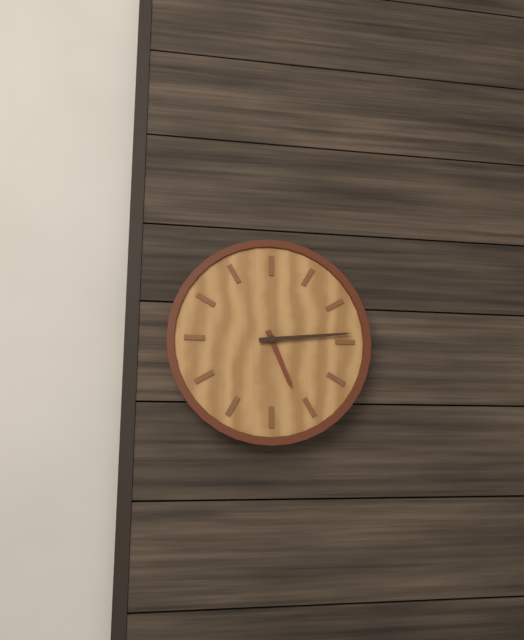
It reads 5:14
